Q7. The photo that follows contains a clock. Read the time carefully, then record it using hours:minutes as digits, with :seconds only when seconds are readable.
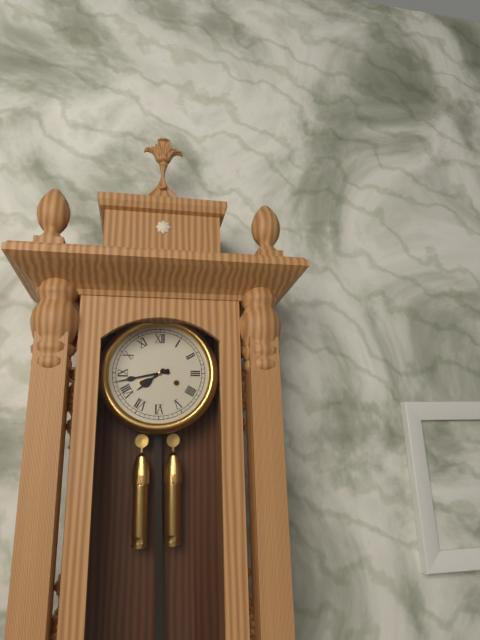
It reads 7:43
